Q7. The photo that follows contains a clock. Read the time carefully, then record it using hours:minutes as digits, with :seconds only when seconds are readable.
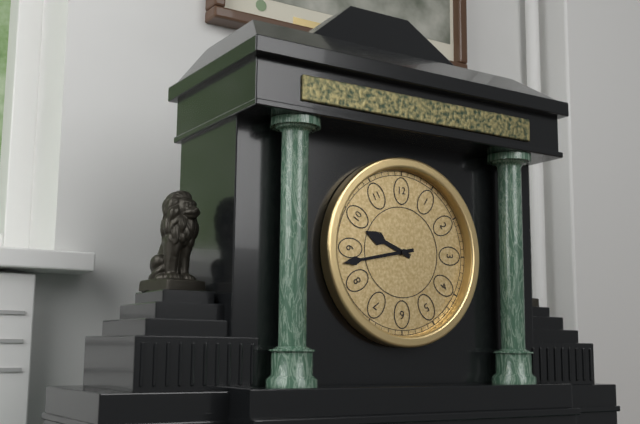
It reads 9:43
